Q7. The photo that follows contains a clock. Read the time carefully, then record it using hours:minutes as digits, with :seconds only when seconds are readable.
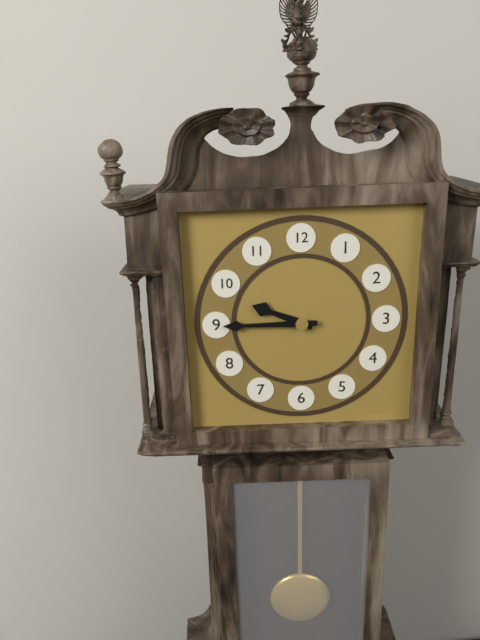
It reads 9:45
